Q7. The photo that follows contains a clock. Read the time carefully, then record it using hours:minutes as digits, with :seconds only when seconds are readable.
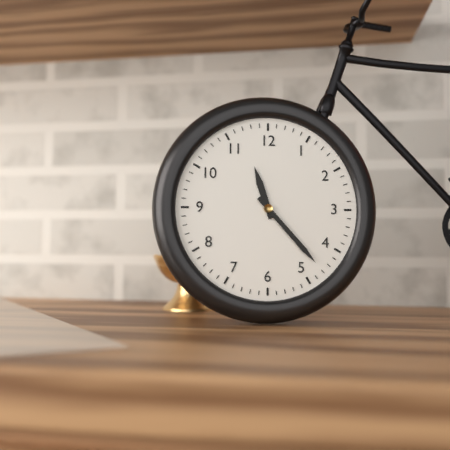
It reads 11:23
